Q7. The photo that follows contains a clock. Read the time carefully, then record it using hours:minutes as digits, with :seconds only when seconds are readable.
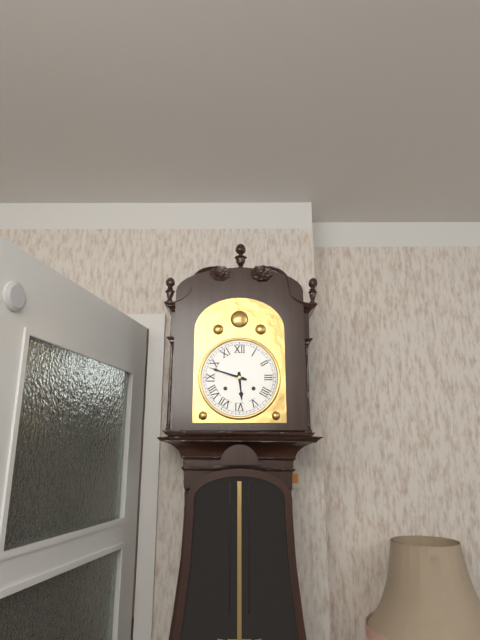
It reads 5:48
